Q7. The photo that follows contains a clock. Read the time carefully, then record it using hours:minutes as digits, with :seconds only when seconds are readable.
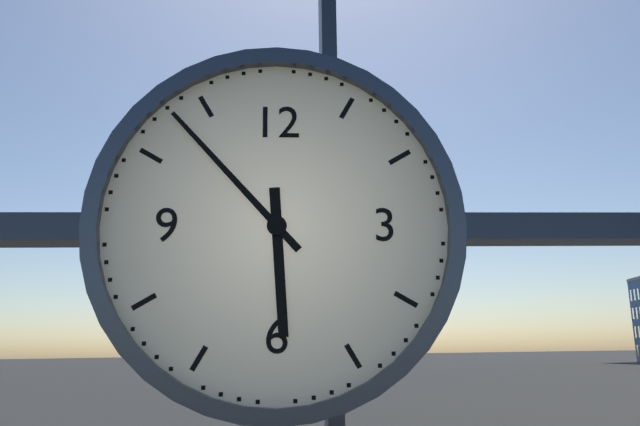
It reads 5:53
